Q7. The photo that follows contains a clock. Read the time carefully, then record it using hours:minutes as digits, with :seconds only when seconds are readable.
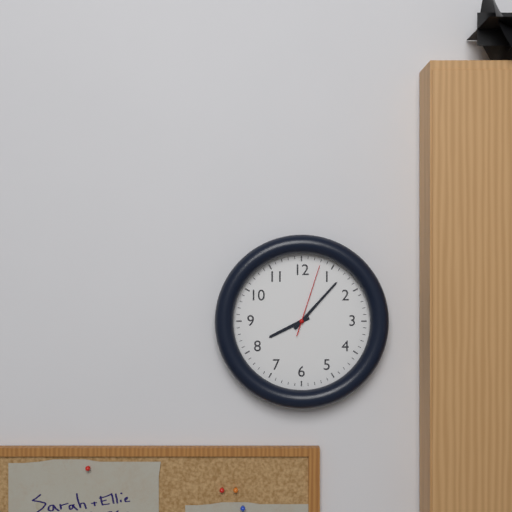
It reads 8:07:03
